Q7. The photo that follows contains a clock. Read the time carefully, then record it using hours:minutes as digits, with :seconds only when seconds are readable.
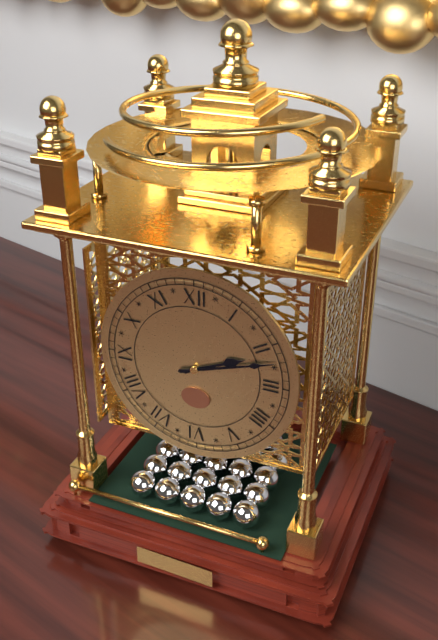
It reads 2:12
